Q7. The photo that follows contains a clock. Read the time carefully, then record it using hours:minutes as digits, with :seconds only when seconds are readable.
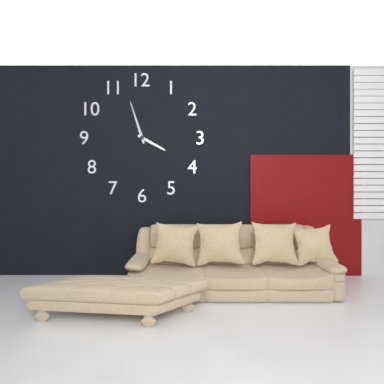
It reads 3:57
